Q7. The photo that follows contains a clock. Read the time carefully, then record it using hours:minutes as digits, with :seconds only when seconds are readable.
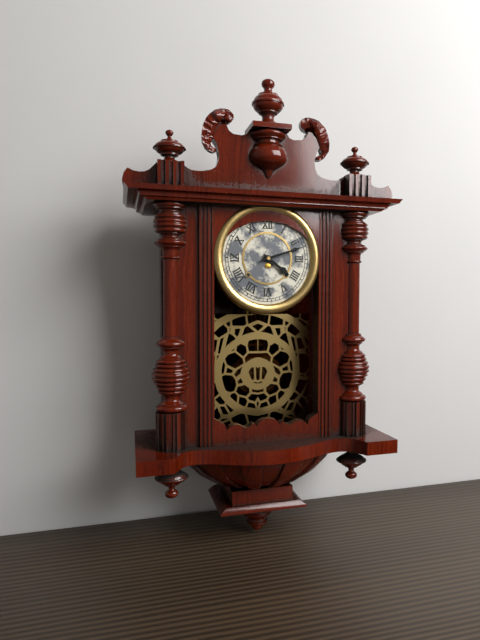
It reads 4:12
